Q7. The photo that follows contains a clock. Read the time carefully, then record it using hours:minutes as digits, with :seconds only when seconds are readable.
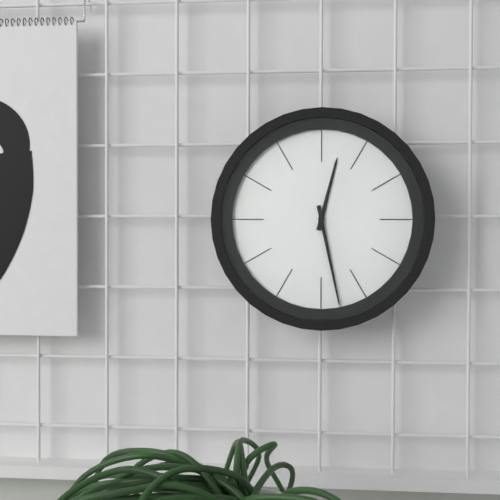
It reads 12:28
